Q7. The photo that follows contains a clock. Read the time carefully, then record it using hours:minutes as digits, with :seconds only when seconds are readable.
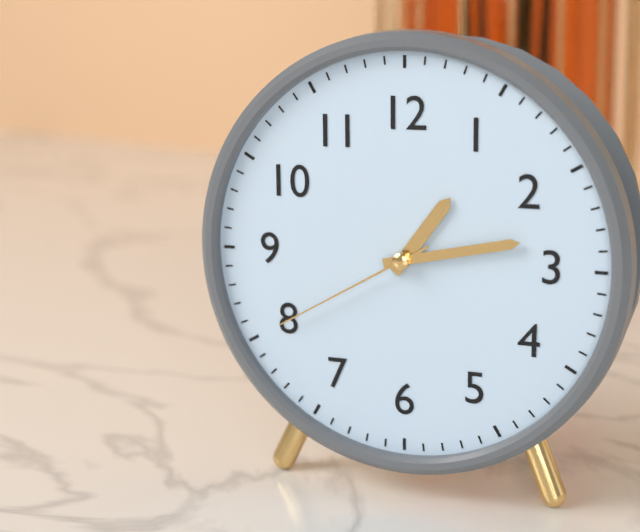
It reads 1:13:40
